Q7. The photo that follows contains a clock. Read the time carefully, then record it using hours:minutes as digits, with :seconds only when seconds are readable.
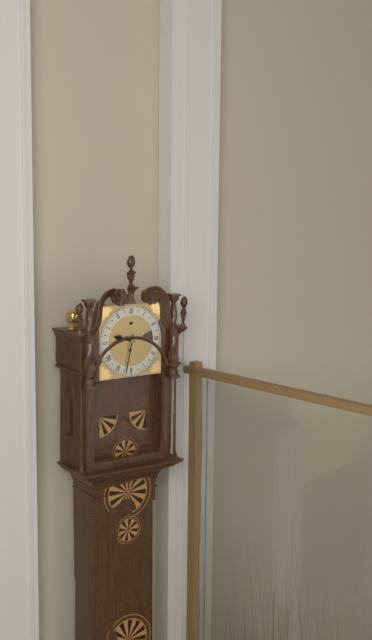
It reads 9:32
